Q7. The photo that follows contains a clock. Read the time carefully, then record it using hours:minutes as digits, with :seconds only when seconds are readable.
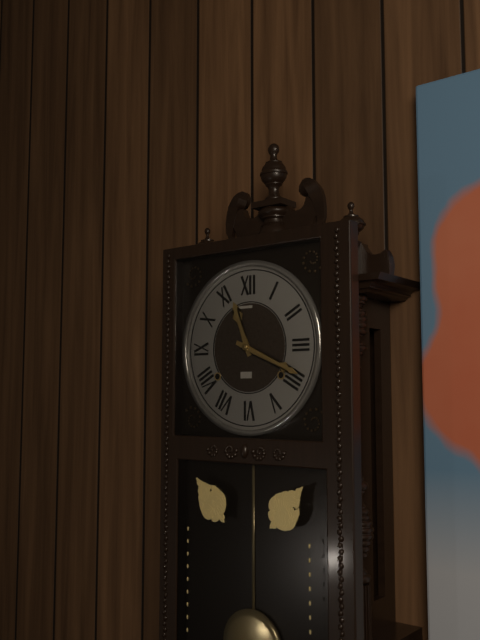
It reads 11:19
